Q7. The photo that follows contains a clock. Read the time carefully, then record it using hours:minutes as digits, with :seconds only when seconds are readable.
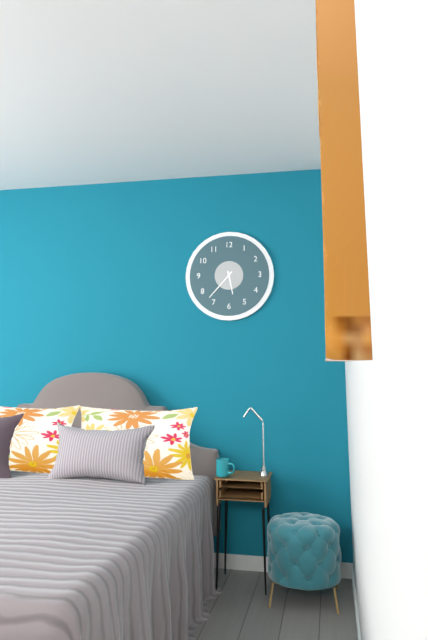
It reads 5:37
